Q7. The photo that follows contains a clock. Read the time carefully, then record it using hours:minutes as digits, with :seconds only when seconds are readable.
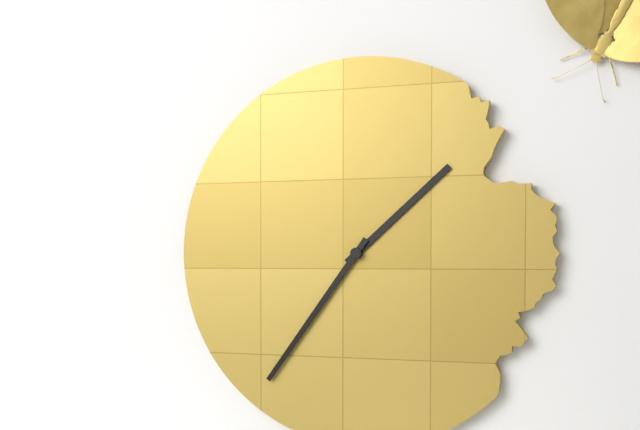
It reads 1:36
